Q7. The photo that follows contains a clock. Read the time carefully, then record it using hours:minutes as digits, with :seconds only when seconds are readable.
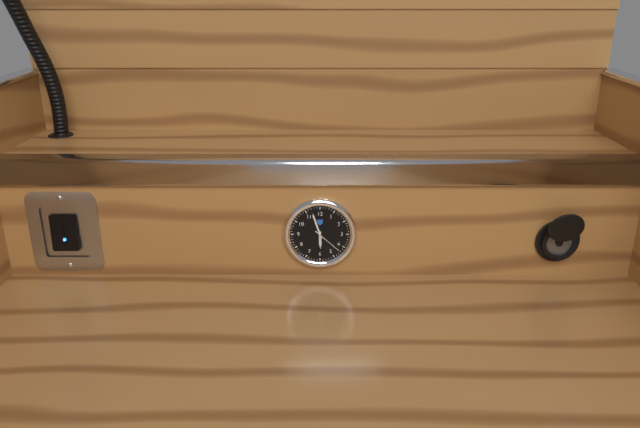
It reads 5:57
